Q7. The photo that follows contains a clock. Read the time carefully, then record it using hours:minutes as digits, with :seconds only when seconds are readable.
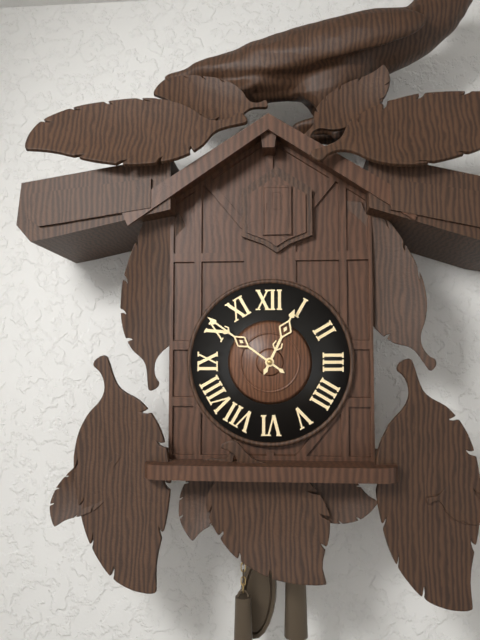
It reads 12:51
